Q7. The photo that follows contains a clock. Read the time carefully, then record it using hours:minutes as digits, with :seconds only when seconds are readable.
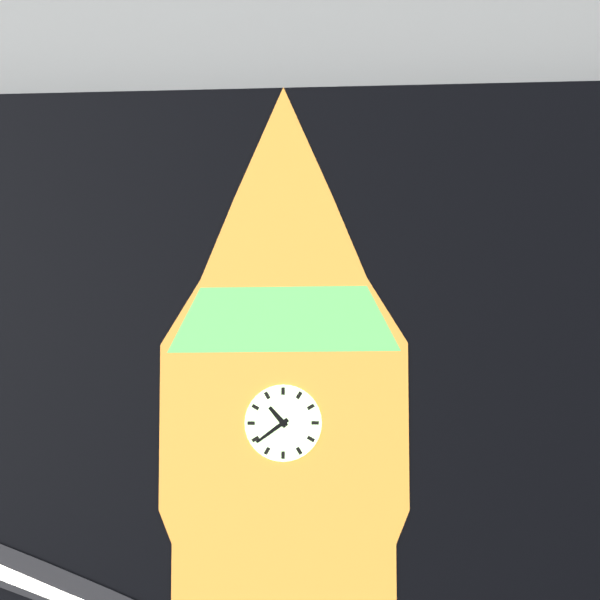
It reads 10:39
